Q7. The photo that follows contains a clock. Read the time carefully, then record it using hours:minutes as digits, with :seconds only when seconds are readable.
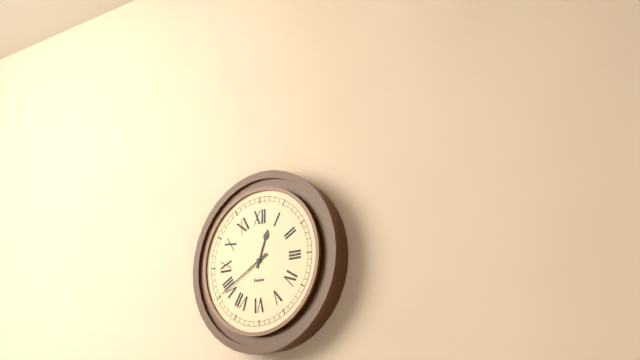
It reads 12:40
